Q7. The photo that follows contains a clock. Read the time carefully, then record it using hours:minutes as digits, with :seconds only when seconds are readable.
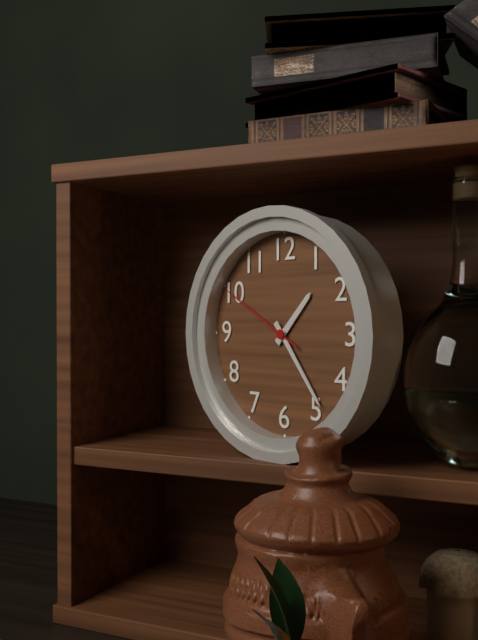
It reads 1:24:50
